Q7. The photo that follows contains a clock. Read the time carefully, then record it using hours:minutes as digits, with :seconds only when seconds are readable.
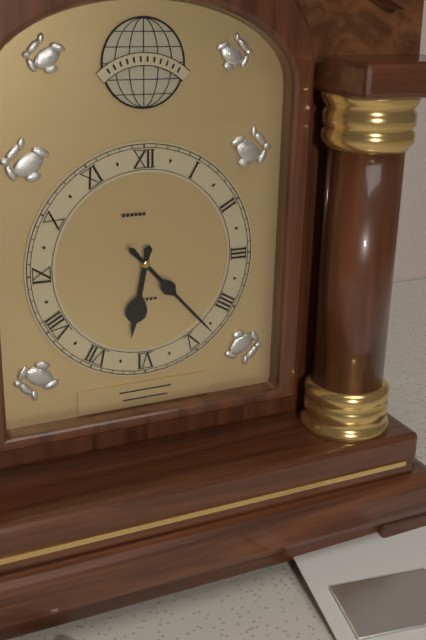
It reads 6:23
